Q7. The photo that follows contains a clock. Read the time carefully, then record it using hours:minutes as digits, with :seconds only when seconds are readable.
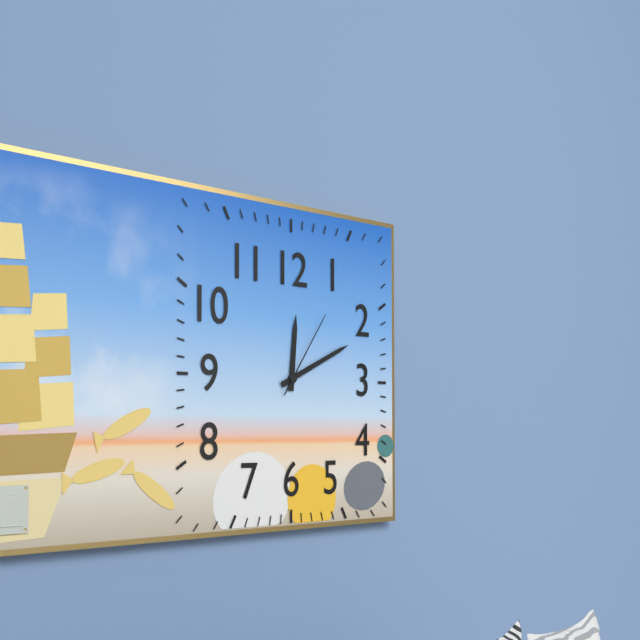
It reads 12:11:06
